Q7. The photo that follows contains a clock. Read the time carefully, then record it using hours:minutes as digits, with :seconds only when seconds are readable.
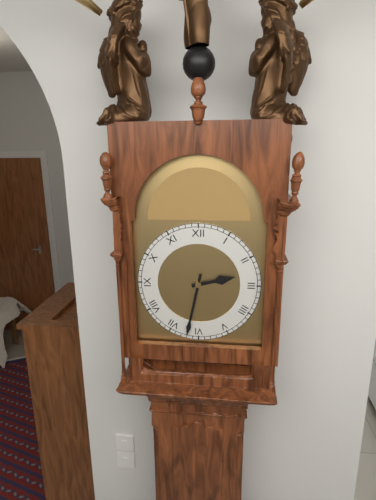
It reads 2:32
